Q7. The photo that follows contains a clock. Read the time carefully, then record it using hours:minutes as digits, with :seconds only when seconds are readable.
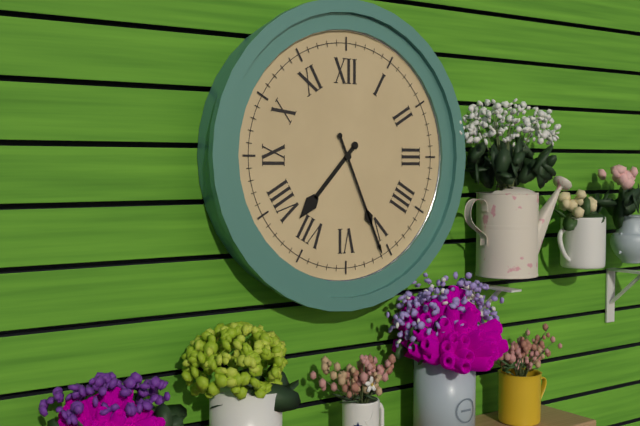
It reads 7:26
